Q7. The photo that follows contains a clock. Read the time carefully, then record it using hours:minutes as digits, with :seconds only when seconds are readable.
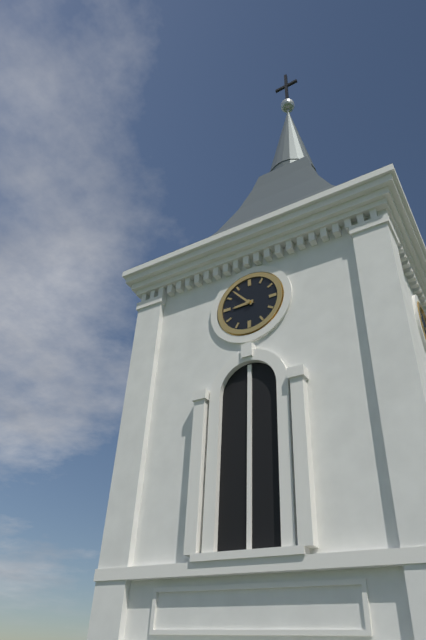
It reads 8:53
